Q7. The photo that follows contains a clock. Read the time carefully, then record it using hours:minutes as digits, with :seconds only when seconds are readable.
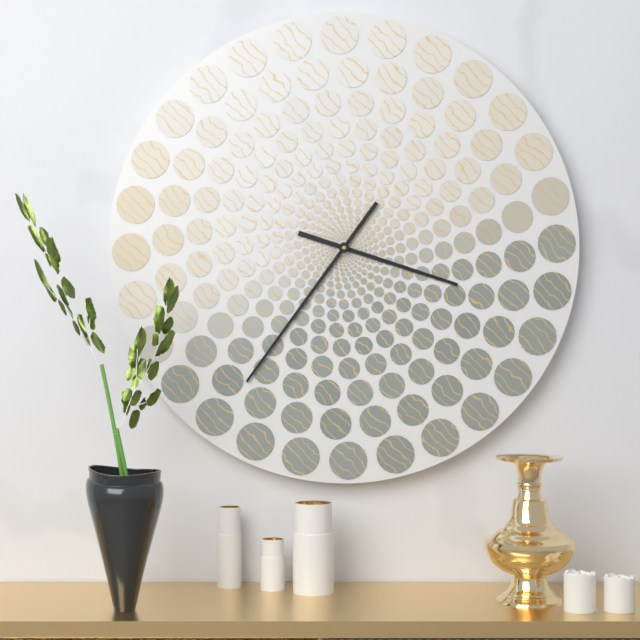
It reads 3:36
